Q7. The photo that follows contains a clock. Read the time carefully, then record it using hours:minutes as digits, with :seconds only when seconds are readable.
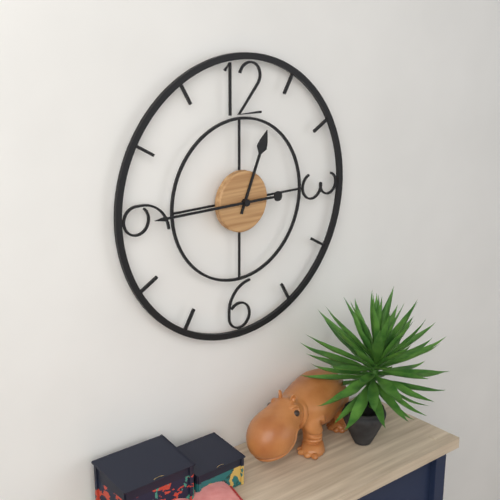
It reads 12:45
